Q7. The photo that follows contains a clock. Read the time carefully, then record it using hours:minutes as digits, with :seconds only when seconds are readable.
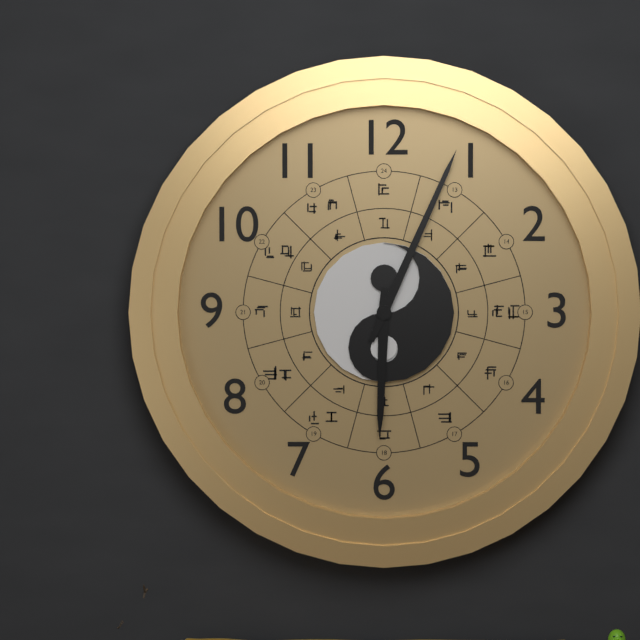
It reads 6:04
